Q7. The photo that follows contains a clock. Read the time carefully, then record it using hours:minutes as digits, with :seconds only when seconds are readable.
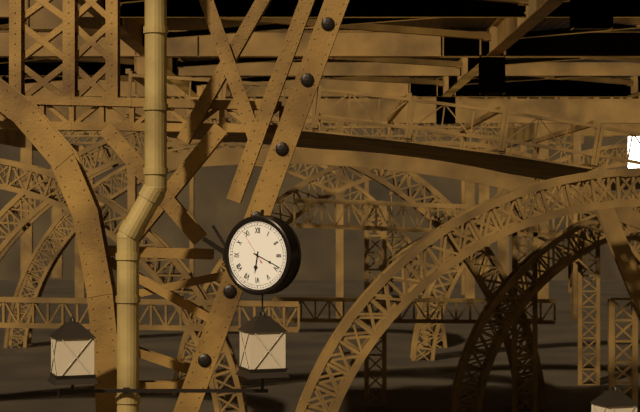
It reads 6:19
